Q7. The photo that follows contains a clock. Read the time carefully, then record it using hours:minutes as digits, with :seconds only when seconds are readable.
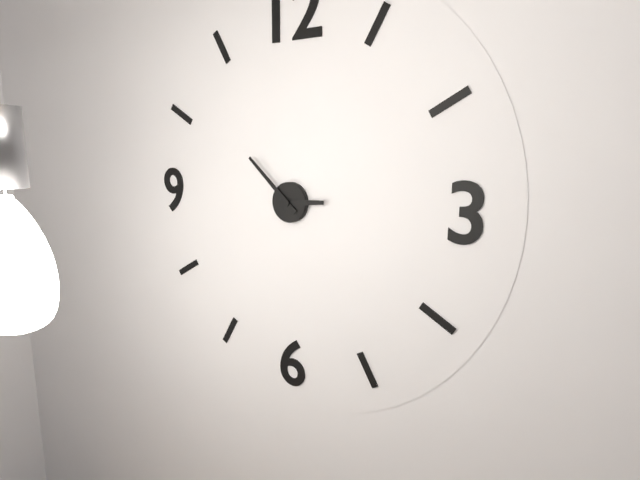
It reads 2:52
